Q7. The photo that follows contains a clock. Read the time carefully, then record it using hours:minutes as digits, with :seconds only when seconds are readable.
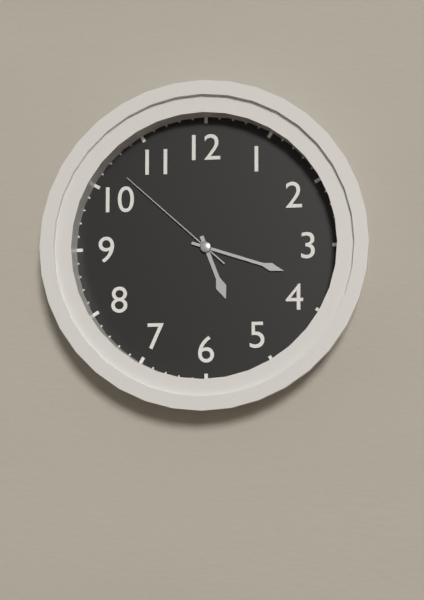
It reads 5:18:52
